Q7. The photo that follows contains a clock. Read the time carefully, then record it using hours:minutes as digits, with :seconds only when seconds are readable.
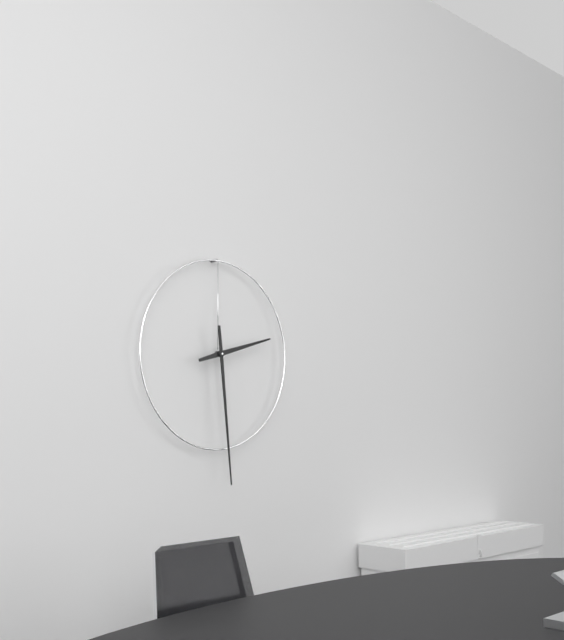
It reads 2:29
